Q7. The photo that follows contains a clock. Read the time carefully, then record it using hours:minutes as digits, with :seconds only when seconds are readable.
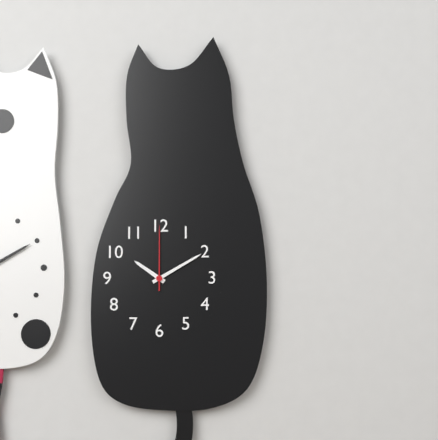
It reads 10:10:00
